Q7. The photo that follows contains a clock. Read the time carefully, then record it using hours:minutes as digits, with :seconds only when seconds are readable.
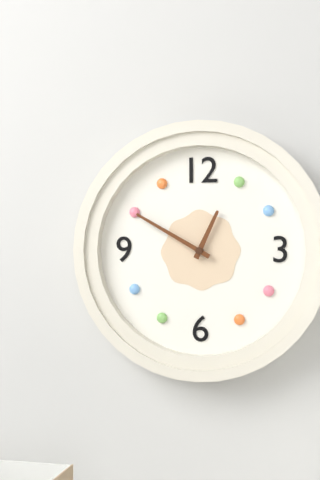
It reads 12:50
